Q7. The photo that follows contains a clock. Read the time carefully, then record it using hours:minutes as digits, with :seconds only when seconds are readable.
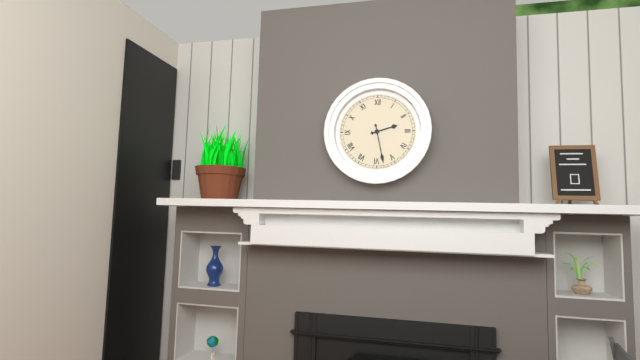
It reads 2:28
